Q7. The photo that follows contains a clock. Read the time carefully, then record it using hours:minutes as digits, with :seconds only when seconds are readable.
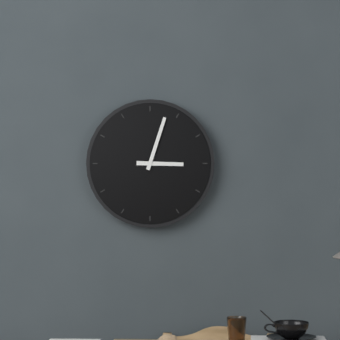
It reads 3:03
